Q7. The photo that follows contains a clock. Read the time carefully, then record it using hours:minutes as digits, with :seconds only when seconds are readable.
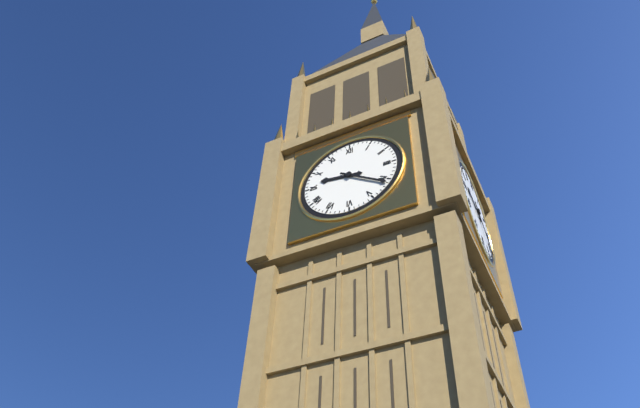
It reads 9:21
